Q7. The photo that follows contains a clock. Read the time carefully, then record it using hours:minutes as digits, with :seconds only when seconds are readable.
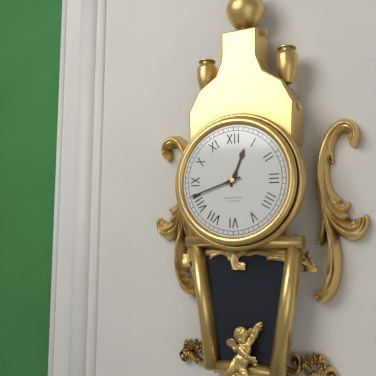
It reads 12:42
